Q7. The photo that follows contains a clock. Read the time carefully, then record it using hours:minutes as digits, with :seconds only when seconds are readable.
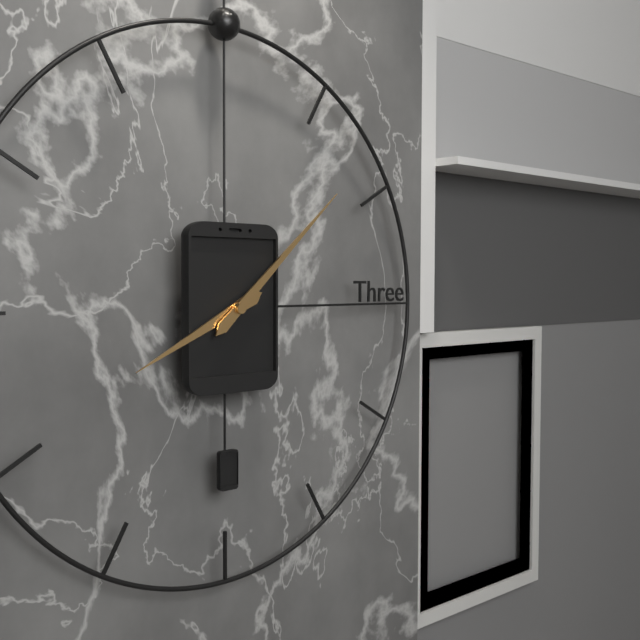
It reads 8:08
